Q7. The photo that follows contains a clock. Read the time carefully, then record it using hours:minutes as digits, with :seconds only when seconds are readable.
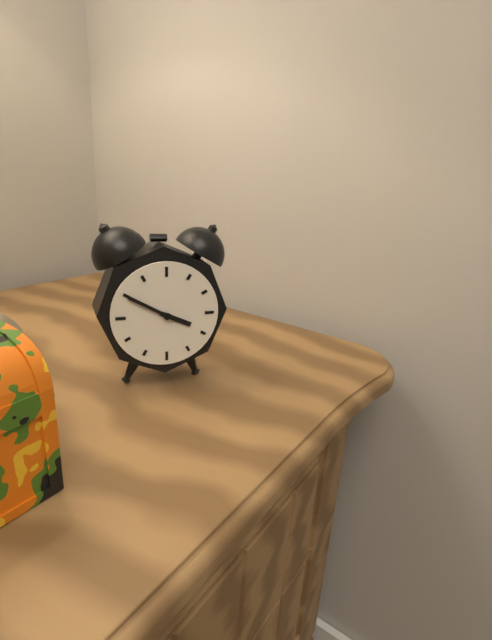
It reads 3:50
